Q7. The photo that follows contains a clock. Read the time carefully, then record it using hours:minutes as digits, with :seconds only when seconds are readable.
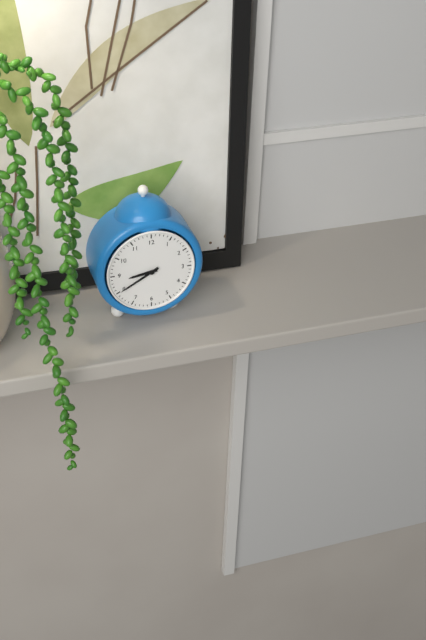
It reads 8:40
